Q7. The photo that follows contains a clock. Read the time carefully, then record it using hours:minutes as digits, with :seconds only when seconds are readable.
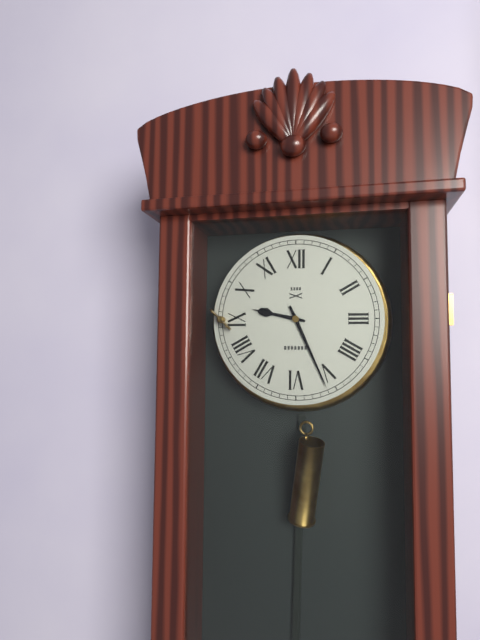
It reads 9:26
